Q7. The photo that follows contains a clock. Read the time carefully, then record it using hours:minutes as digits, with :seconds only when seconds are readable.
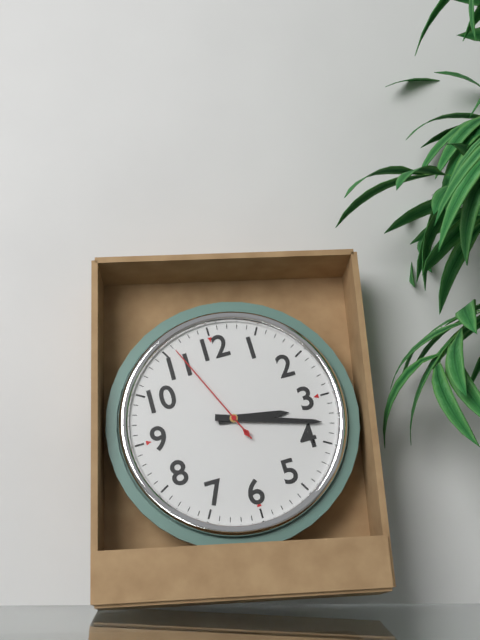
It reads 3:18:56
